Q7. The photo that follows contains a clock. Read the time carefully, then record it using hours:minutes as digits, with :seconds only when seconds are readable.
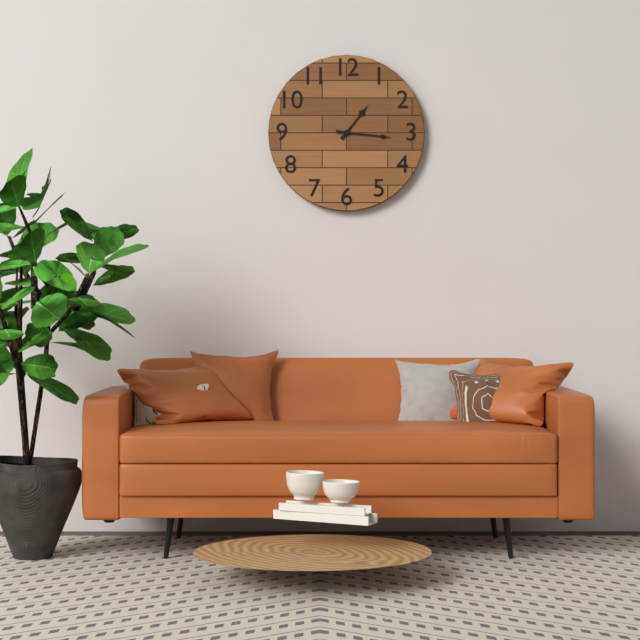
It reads 1:16
